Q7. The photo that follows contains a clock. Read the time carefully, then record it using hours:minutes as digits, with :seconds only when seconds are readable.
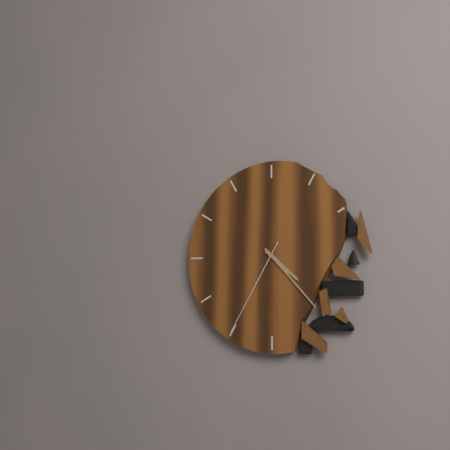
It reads 4:23:35
